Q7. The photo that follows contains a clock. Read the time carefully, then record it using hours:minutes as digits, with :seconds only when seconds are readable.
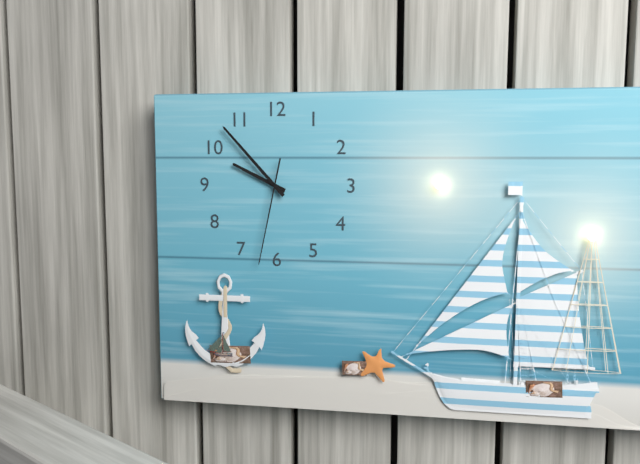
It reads 9:53:32
